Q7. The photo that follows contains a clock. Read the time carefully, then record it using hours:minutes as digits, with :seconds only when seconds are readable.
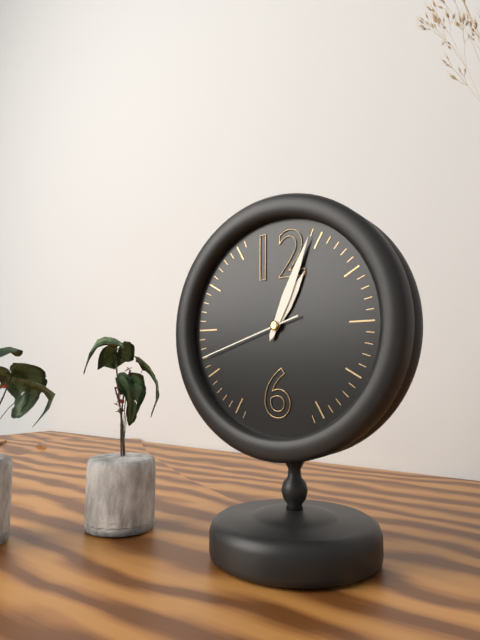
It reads 1:04:42
